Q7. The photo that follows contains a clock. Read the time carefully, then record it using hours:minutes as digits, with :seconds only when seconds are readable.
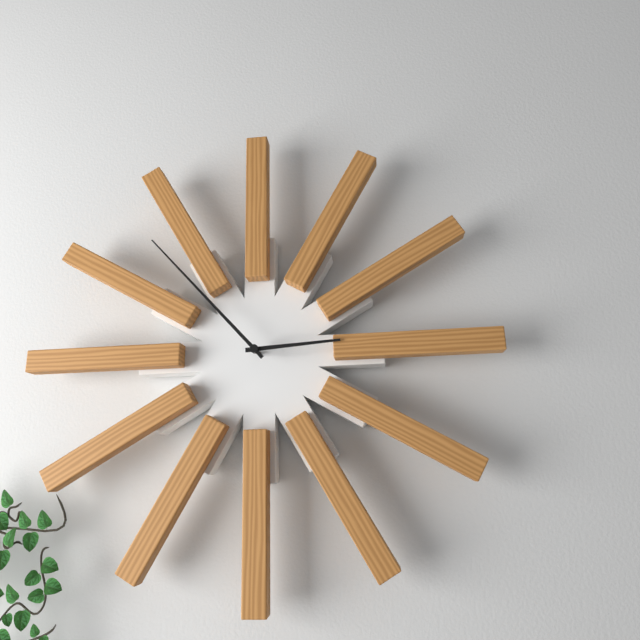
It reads 2:53
